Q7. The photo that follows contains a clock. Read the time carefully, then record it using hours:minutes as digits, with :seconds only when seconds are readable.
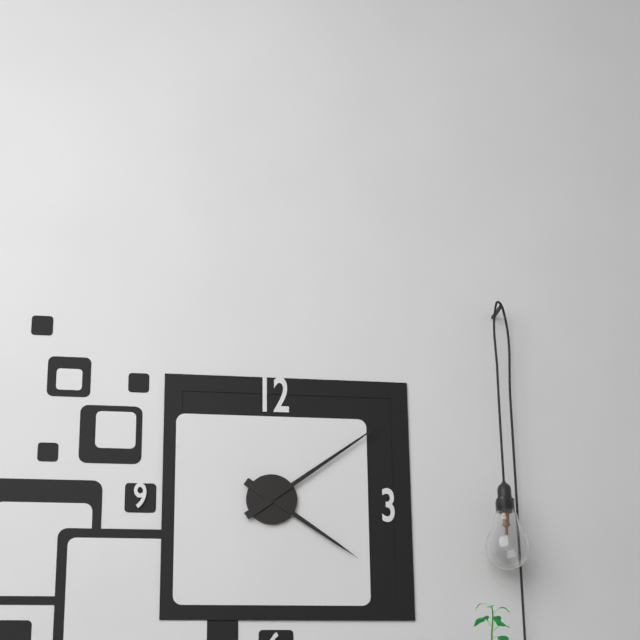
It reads 4:09
